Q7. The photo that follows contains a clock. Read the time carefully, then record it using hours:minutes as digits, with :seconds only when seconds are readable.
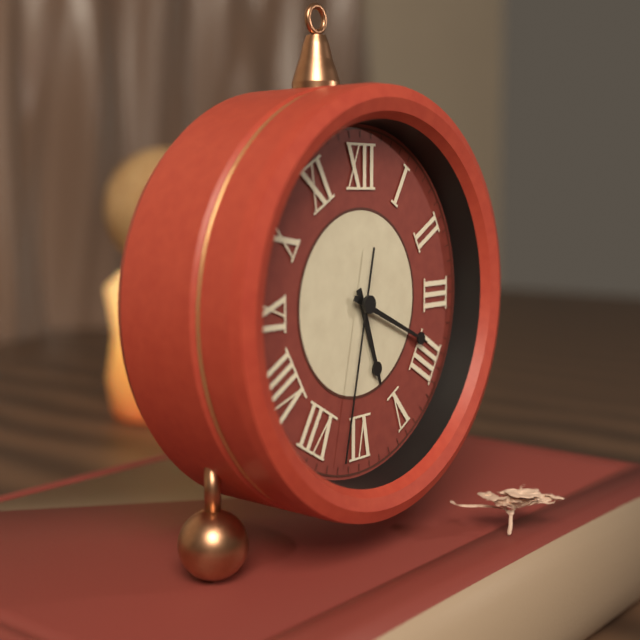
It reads 5:19:32
